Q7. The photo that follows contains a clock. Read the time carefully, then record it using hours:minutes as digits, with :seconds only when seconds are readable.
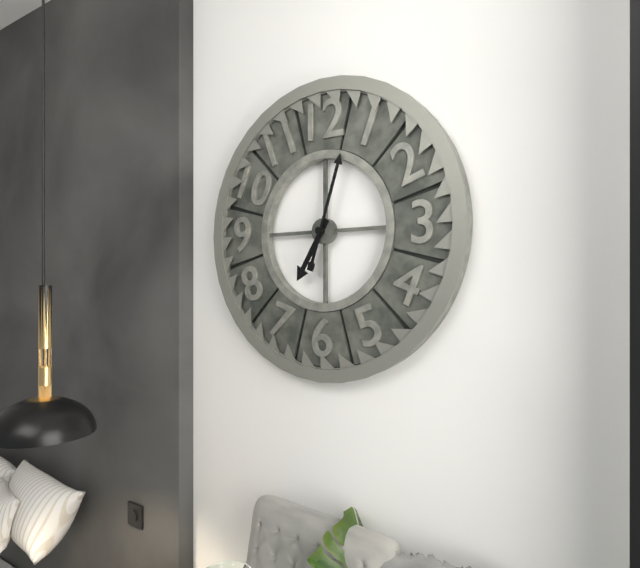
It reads 7:03
